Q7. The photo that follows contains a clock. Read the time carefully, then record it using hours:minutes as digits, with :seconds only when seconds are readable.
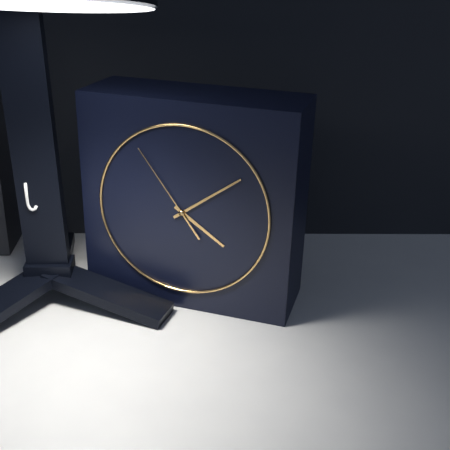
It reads 4:09:54
